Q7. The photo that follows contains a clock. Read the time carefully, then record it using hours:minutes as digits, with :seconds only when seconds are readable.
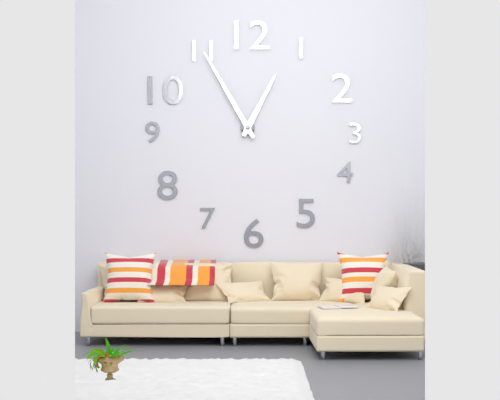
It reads 12:55
